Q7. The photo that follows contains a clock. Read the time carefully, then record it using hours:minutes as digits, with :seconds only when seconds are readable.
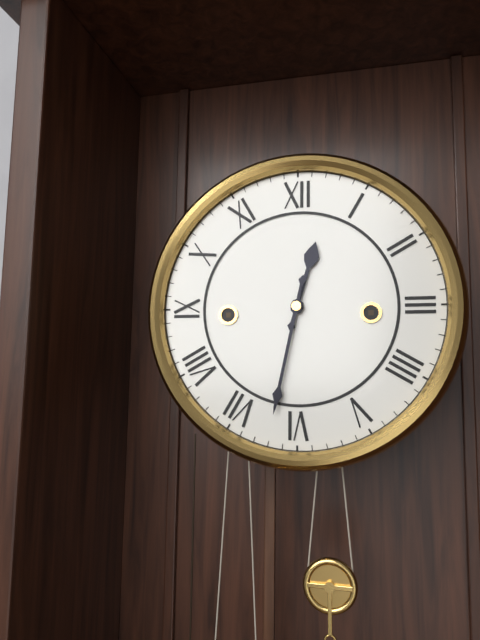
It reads 12:32
